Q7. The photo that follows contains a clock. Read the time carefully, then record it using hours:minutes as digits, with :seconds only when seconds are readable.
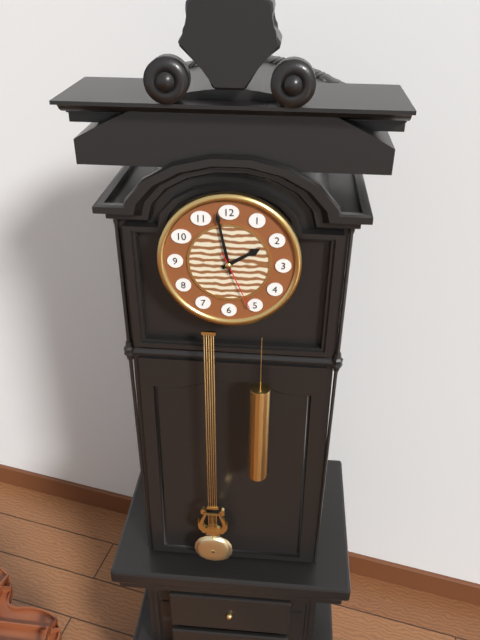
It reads 1:58:26
